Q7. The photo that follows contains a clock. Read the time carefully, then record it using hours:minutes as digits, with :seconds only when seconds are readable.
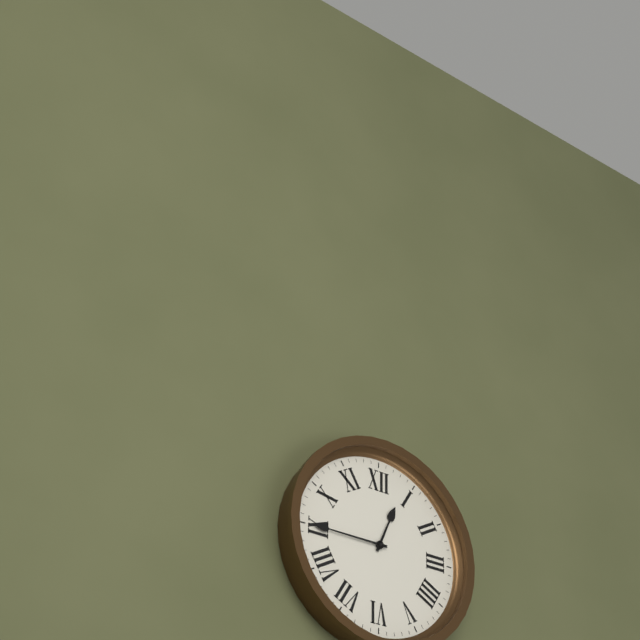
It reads 12:45
